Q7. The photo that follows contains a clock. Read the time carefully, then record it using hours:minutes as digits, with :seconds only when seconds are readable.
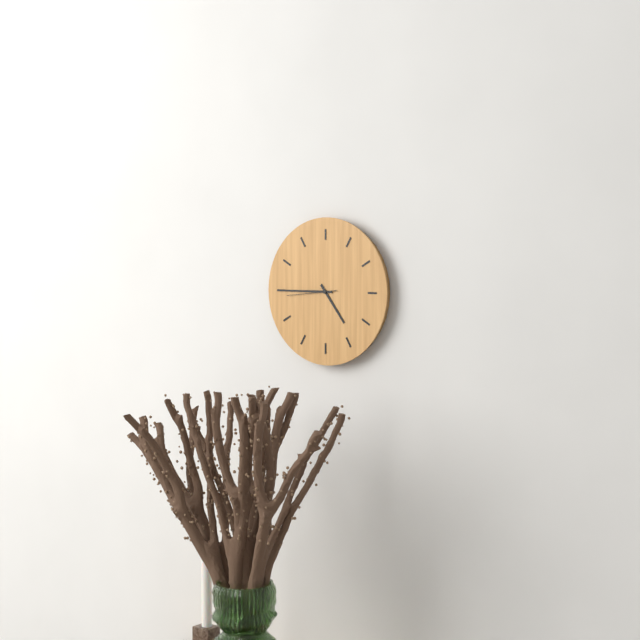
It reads 4:45
